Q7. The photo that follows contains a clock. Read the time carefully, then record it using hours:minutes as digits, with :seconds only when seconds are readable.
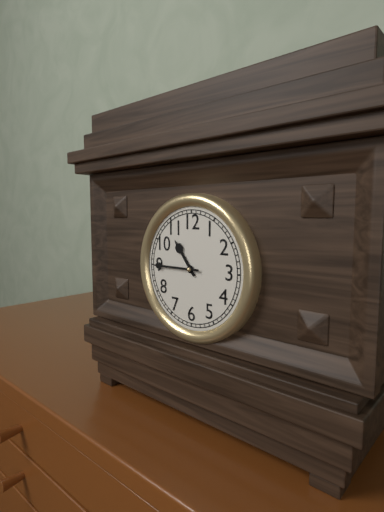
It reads 10:45
